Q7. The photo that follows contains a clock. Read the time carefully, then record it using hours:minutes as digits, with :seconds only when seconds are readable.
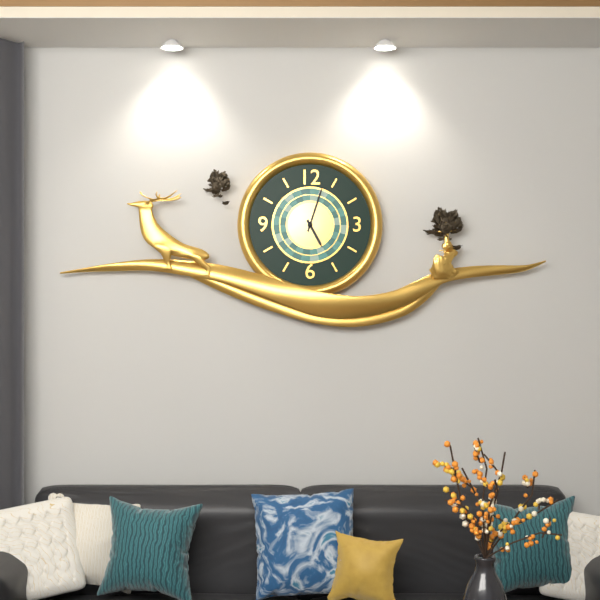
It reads 5:03
